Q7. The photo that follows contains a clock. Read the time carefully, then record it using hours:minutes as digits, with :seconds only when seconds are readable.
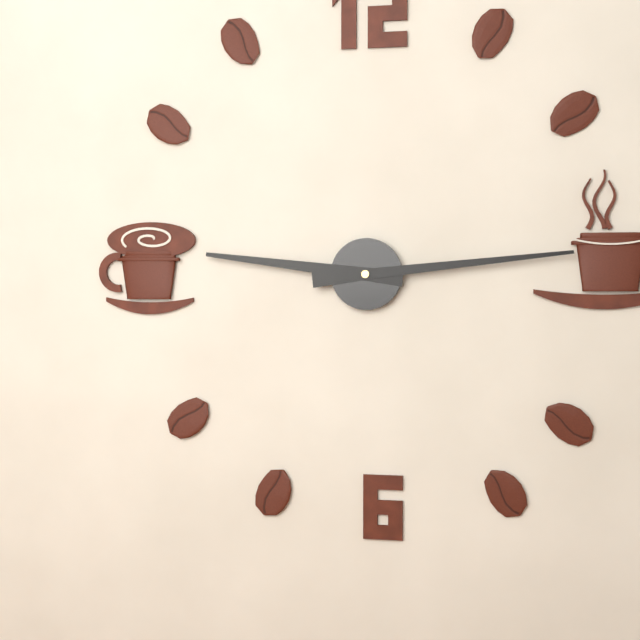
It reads 9:14
